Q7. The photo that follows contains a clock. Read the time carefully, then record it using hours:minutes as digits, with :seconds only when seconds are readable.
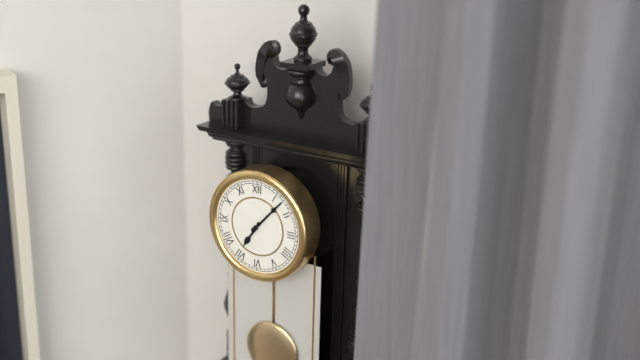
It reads 7:07
